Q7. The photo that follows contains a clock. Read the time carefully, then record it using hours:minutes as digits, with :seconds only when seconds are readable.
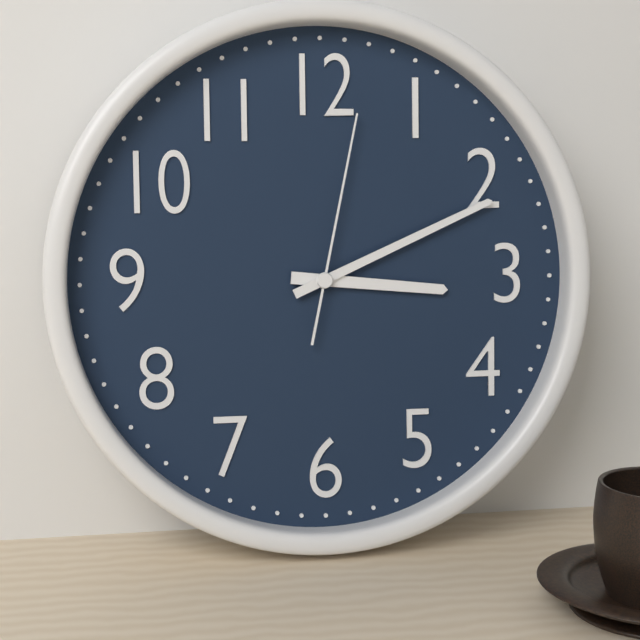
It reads 3:11:02
